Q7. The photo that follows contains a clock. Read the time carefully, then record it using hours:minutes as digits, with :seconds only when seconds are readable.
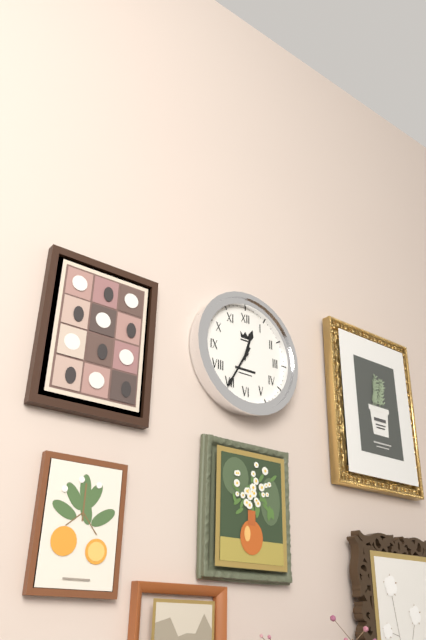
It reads 12:35
